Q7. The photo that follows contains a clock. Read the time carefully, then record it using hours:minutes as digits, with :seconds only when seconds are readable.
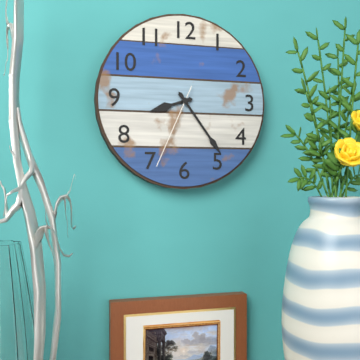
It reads 8:24:34
